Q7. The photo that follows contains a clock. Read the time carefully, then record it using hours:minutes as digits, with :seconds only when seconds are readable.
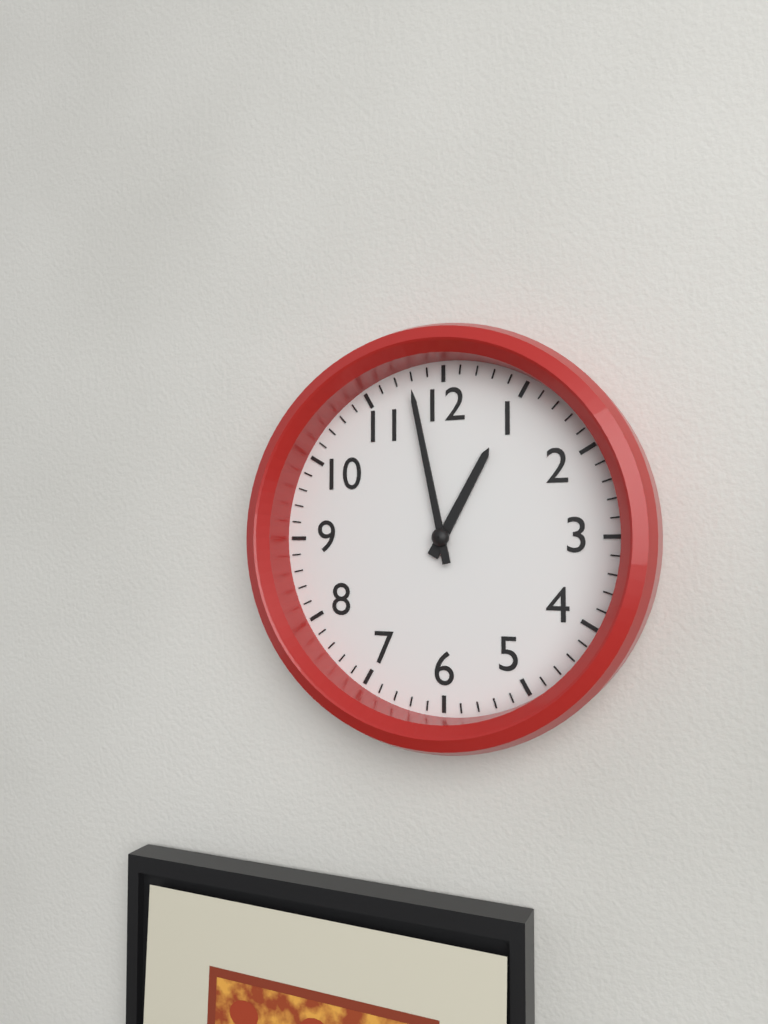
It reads 12:58
